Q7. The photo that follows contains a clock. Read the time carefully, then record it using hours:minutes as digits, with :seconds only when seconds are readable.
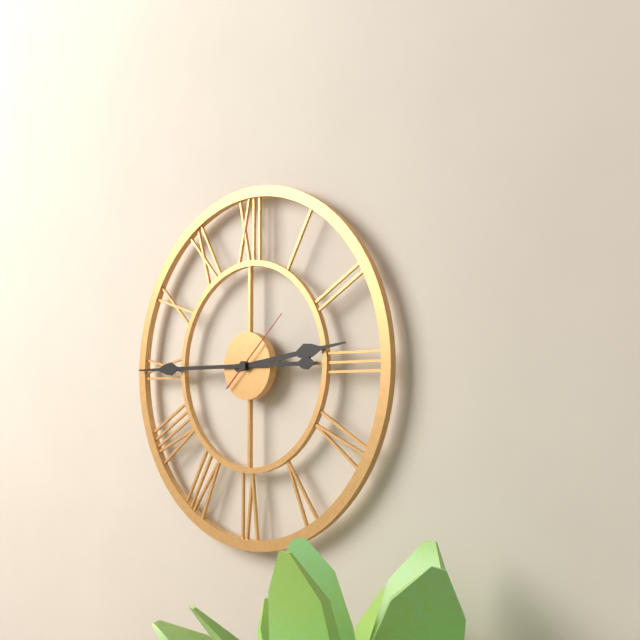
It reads 2:45:08
